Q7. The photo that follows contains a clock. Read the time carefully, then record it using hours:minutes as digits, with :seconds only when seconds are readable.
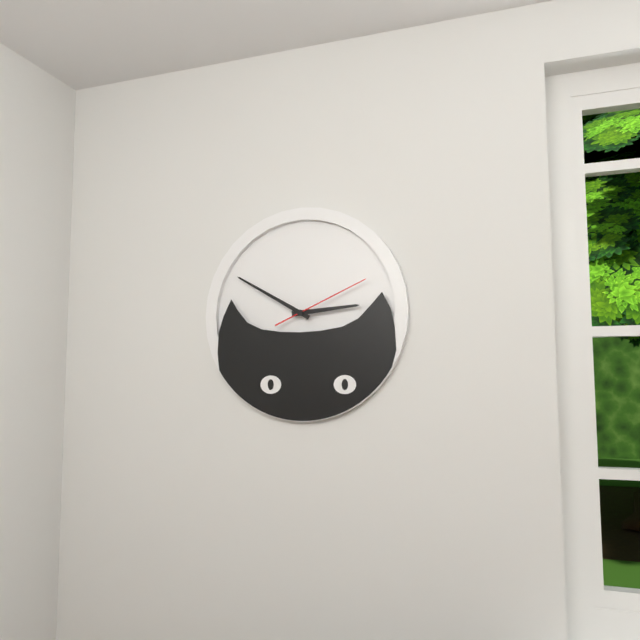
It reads 2:50:11
